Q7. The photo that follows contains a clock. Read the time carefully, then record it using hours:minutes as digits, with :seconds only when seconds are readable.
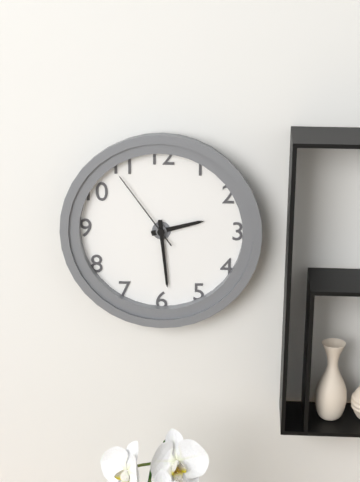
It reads 2:29:54
